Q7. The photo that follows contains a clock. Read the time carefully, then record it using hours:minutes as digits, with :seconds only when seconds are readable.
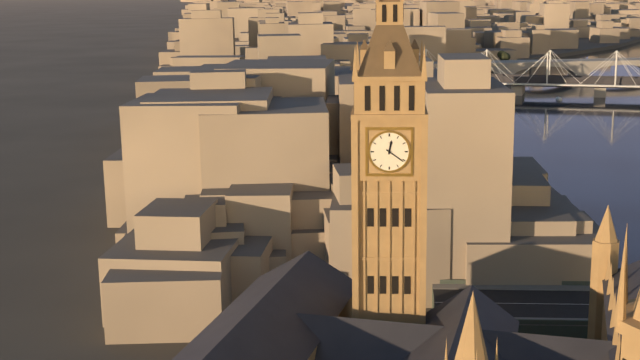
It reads 12:21
